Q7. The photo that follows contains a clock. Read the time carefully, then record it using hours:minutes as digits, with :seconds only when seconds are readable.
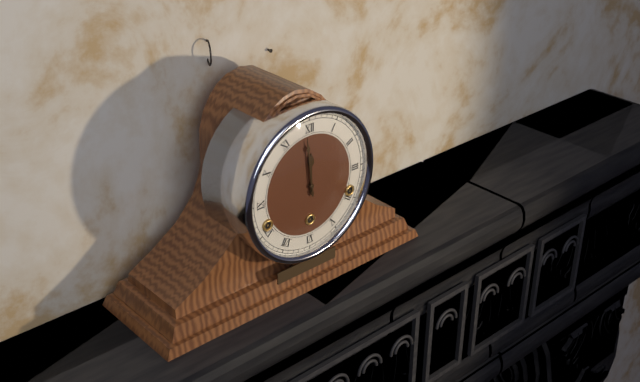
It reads 11:59
